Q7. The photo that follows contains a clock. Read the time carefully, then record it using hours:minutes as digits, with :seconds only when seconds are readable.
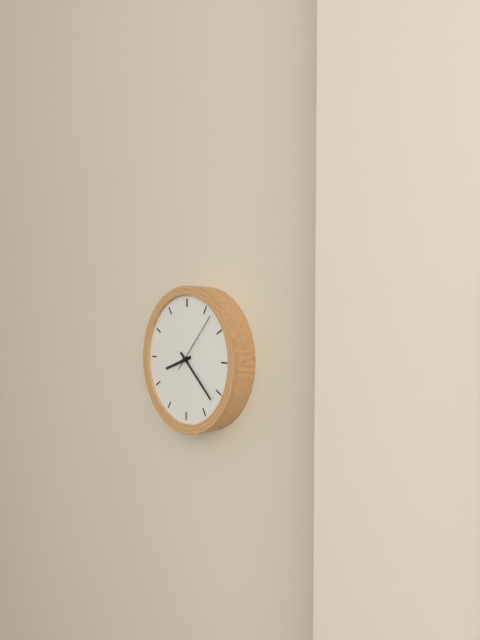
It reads 8:22:07
